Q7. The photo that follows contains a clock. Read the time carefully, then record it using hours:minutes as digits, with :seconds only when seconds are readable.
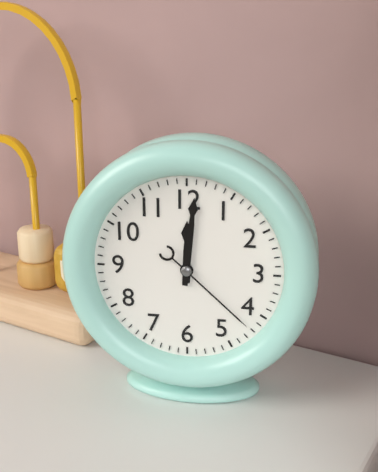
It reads 12:01:22
